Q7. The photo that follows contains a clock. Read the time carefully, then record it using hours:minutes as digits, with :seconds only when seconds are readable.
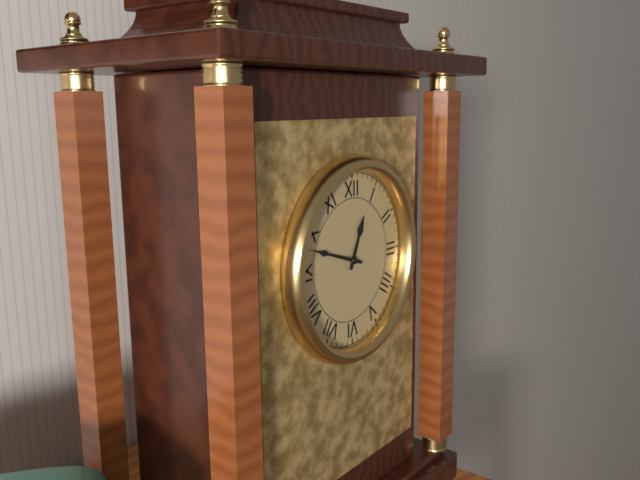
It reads 12:48
